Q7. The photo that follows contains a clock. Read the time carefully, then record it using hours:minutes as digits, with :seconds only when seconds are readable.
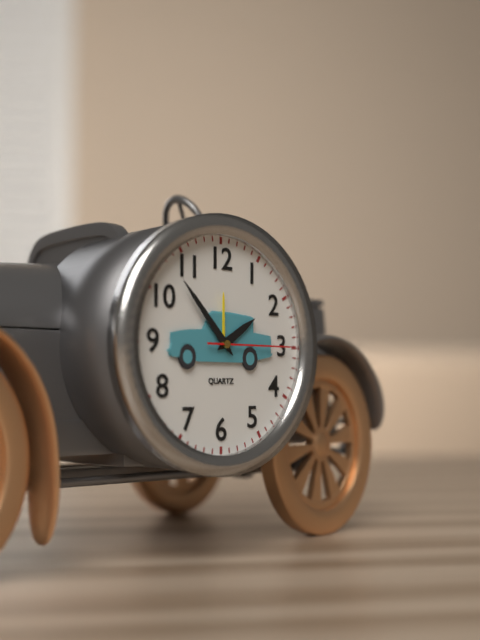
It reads 1:53:15
